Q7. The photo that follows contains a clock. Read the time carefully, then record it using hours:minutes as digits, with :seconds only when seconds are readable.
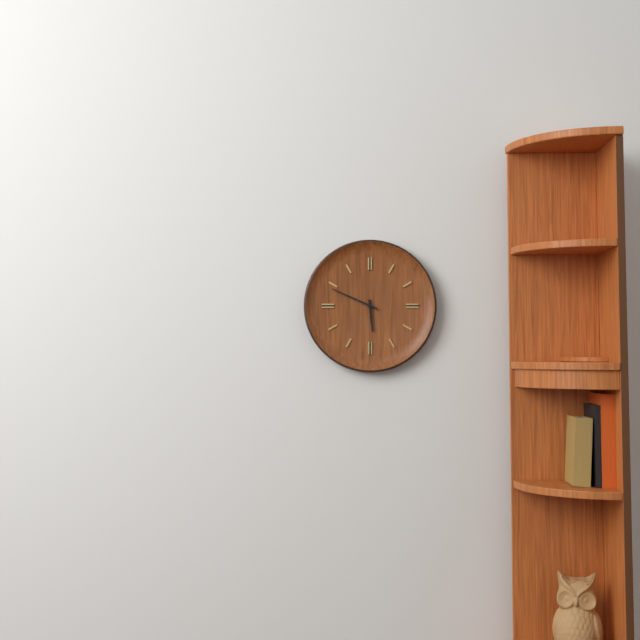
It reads 5:49
